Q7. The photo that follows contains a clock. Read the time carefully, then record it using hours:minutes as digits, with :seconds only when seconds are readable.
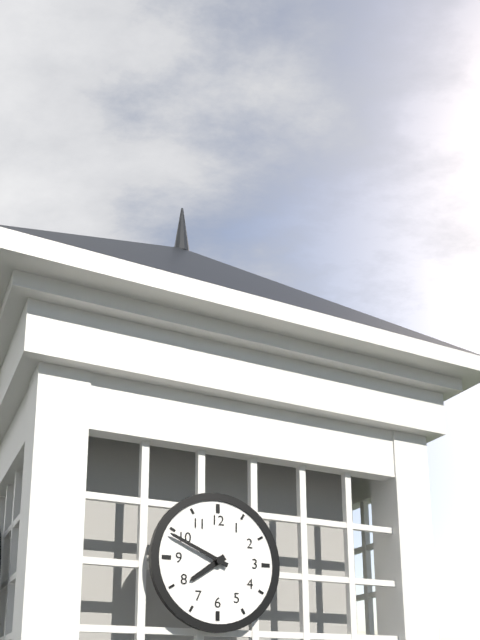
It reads 7:49
